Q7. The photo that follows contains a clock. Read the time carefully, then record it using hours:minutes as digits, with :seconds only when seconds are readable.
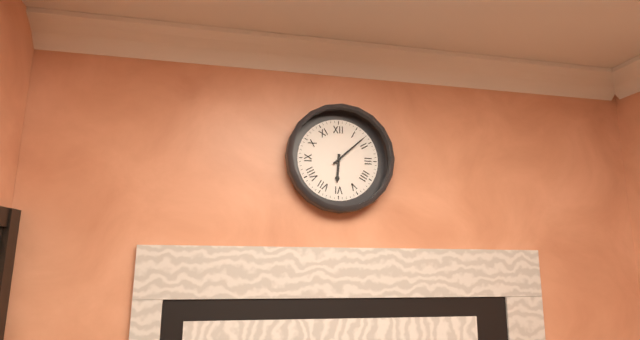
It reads 6:08
